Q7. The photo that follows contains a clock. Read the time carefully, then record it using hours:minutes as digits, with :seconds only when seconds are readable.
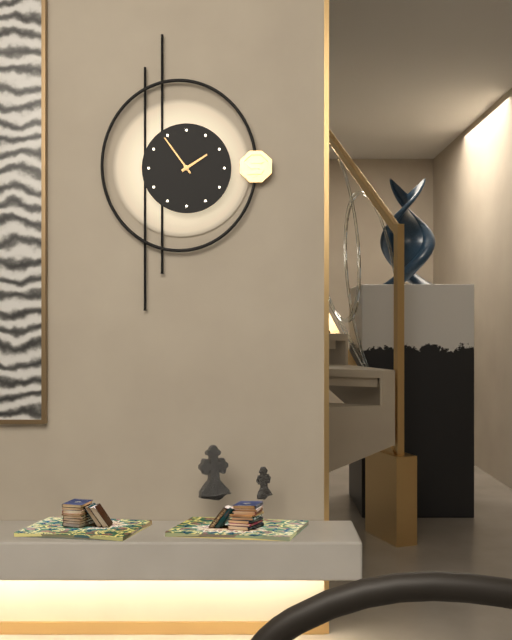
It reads 1:54
